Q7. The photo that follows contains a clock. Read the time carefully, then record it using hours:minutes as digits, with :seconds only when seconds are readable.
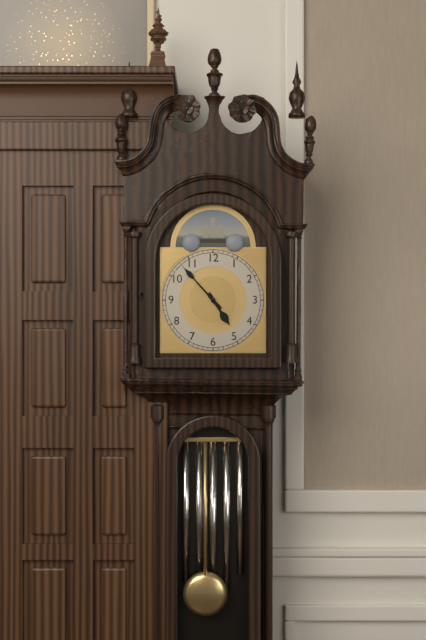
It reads 4:53
